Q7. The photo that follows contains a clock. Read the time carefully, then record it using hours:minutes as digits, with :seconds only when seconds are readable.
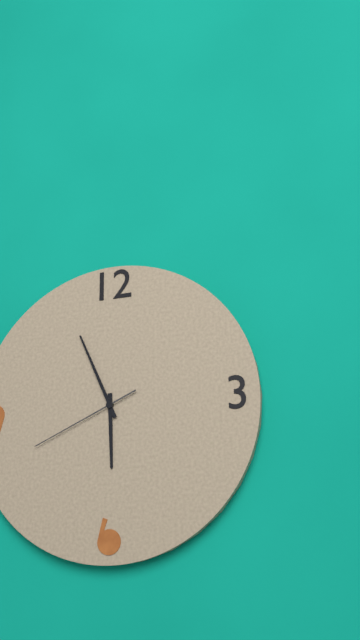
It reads 5:56:41
